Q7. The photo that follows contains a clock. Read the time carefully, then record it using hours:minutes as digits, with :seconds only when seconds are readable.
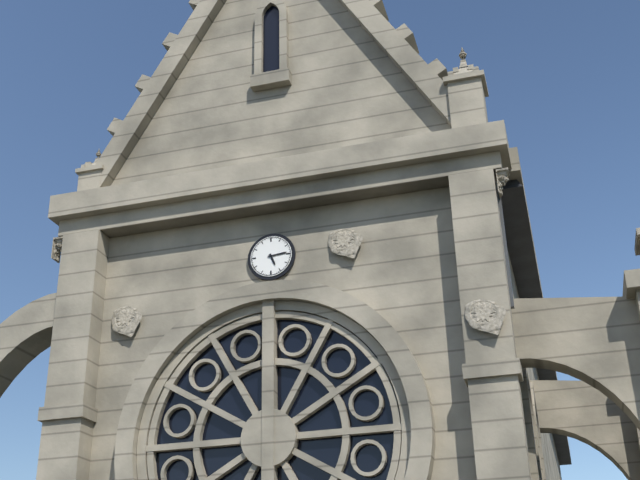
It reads 5:14
